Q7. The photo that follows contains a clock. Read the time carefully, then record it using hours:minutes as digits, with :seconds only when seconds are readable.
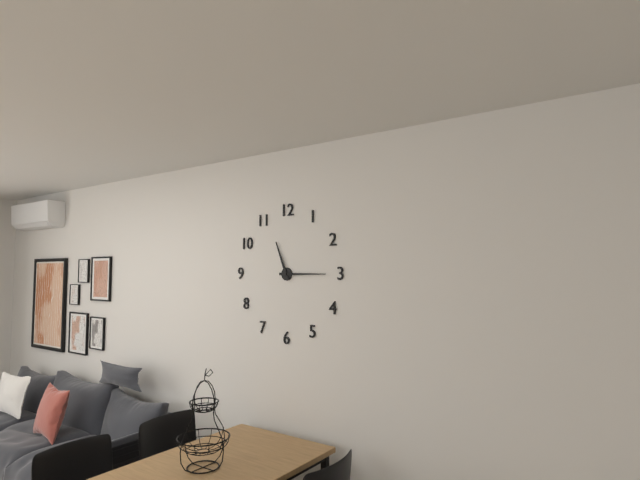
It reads 11:15
